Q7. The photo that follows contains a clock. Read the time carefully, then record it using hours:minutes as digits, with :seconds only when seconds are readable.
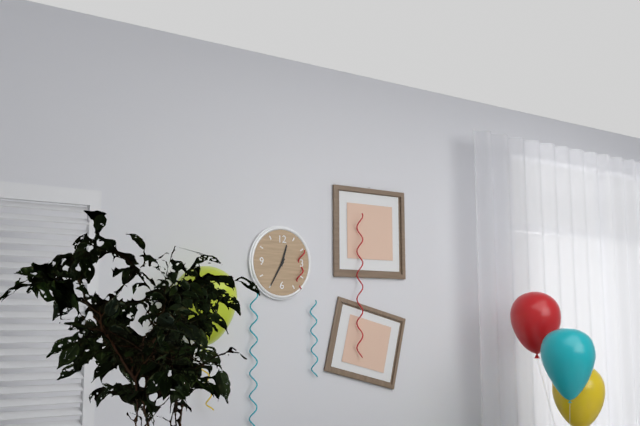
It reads 12:35
